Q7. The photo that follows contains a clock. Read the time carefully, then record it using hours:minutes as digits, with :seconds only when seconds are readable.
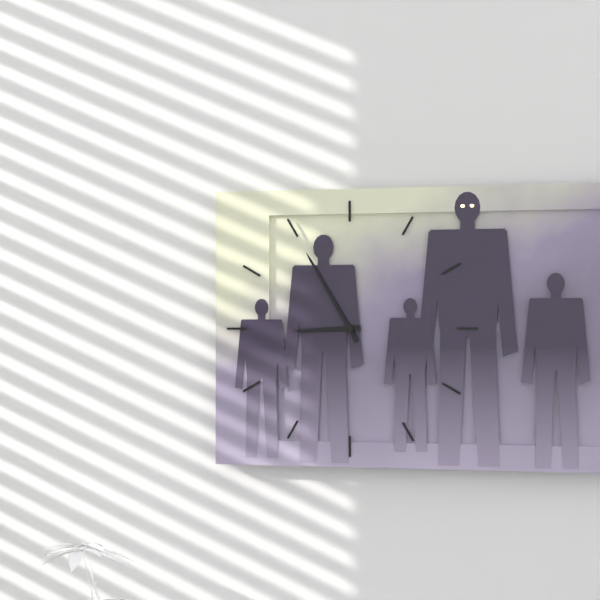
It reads 8:55
